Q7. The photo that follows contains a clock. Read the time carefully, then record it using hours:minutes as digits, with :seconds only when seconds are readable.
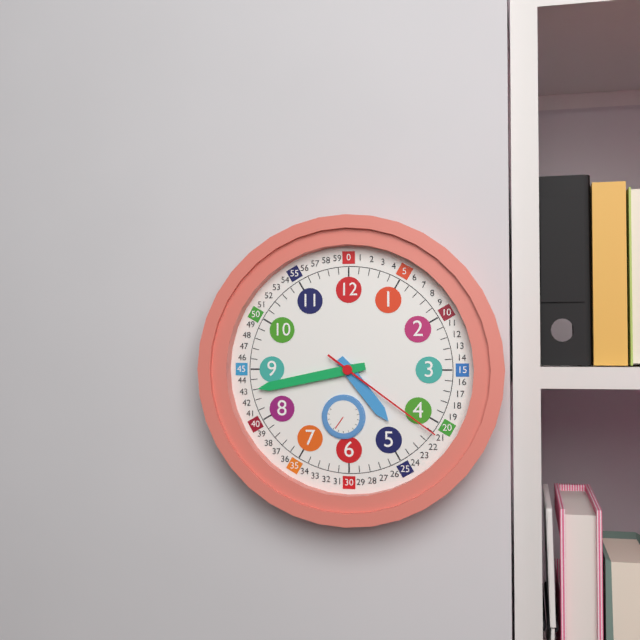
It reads 4:43:21
